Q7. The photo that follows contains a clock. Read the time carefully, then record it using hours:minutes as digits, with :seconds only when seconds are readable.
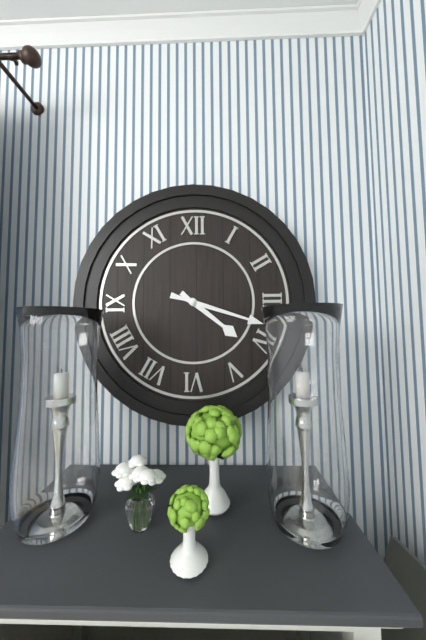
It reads 4:18
